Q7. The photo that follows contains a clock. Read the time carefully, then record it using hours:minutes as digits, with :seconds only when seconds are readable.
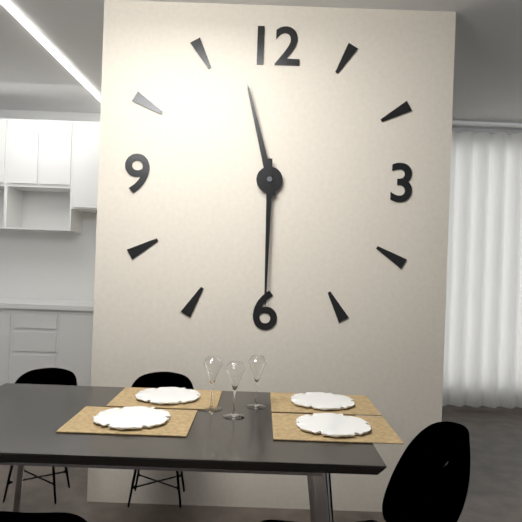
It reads 11:30
